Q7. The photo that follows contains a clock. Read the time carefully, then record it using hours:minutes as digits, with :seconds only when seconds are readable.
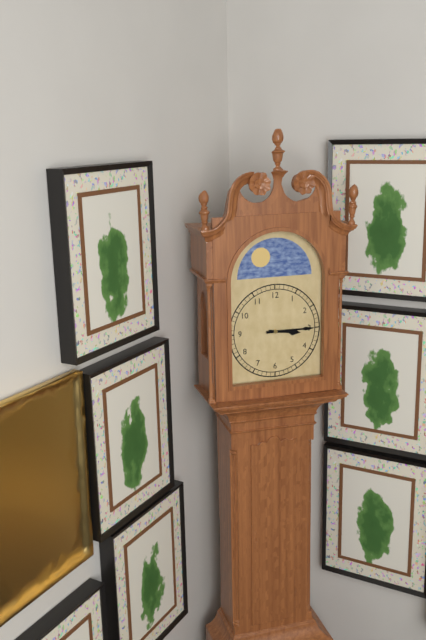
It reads 3:15
